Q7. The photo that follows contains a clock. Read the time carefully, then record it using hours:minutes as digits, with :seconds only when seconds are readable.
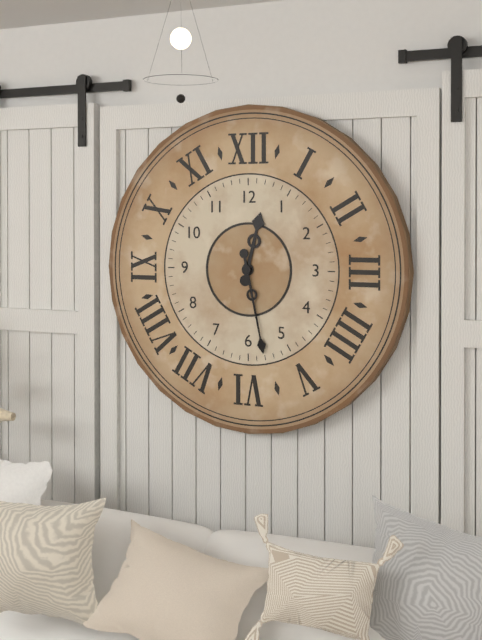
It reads 12:28
